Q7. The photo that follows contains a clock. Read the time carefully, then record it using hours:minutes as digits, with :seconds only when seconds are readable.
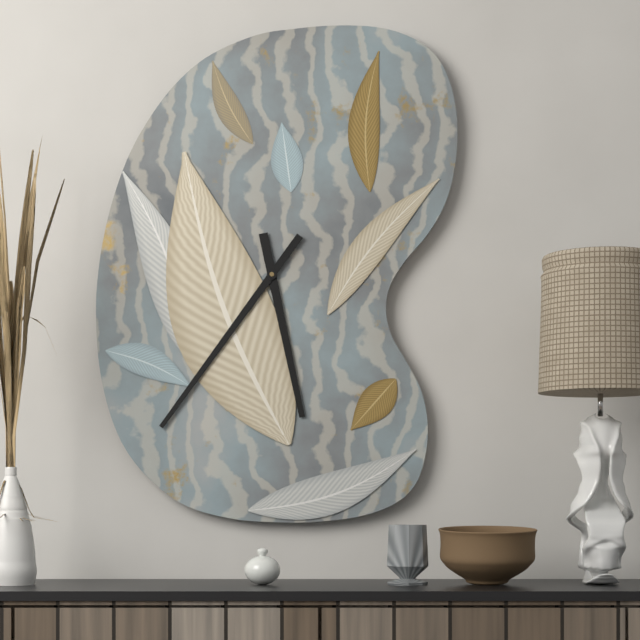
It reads 5:36
